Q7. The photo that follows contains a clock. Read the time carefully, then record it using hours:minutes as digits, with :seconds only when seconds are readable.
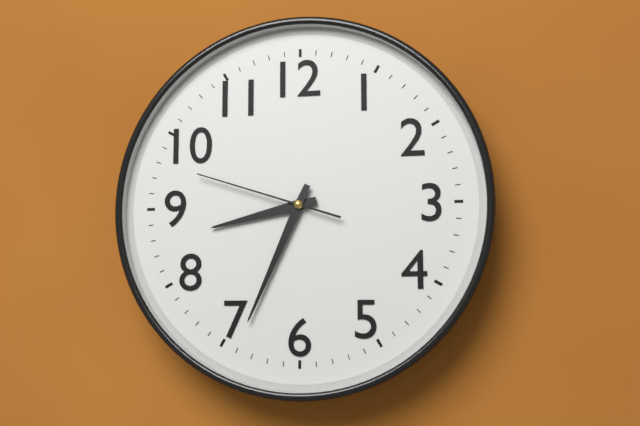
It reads 8:34:48
